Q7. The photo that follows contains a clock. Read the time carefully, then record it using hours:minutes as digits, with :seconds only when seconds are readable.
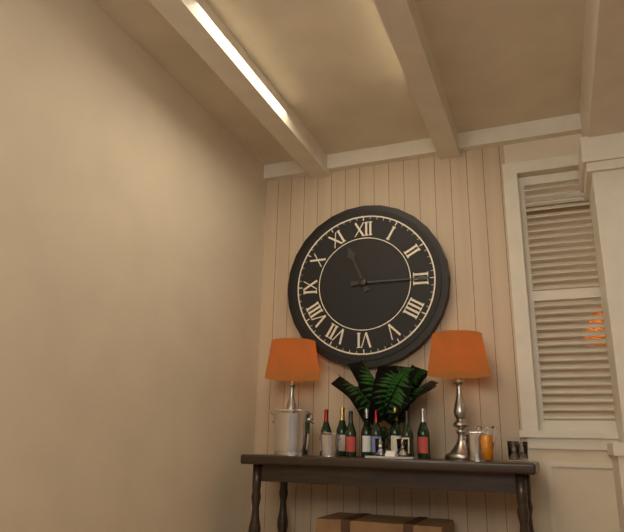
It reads 11:15
